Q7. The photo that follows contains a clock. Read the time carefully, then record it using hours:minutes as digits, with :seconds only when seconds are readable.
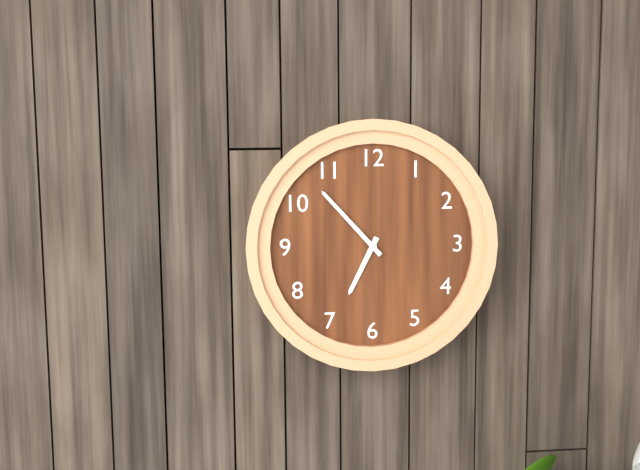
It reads 6:53
